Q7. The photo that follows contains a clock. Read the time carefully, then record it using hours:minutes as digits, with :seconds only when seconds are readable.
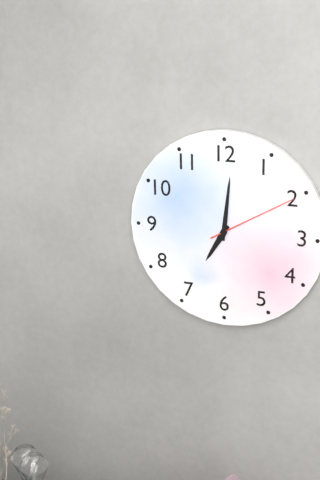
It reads 7:01:10
